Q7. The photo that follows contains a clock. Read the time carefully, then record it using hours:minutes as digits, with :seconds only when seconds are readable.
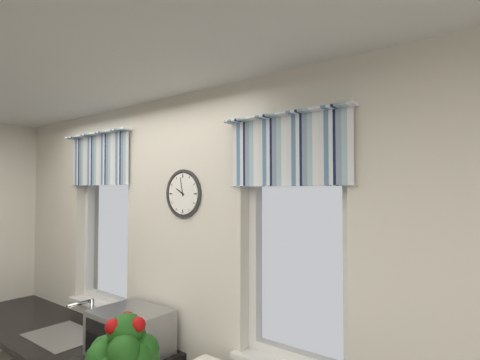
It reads 9:58
